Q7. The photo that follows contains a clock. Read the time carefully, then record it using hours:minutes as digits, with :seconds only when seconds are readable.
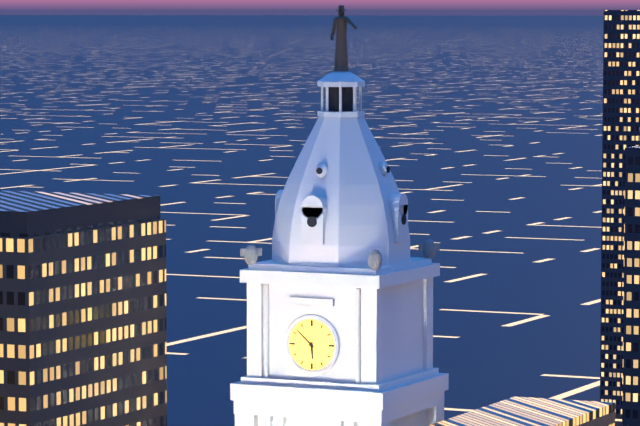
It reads 5:52
